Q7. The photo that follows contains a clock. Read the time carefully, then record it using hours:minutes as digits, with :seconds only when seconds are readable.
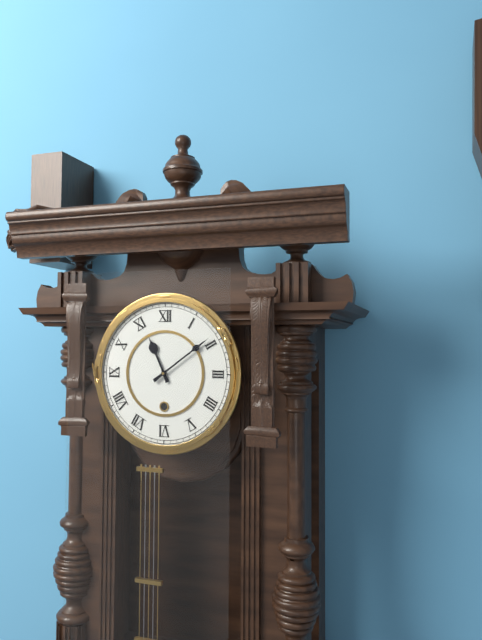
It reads 11:09
